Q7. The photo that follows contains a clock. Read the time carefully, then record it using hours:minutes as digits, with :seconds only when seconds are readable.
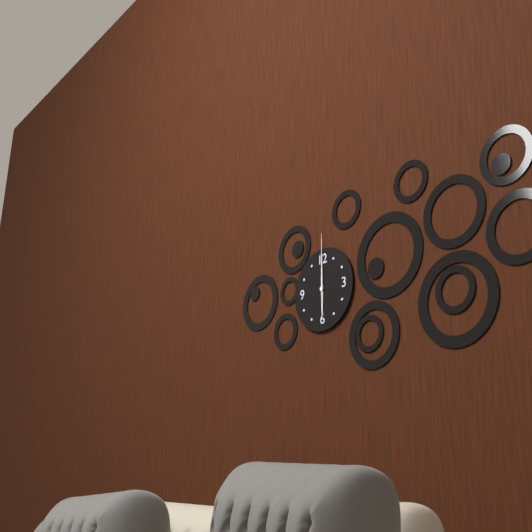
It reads 6:00:00
